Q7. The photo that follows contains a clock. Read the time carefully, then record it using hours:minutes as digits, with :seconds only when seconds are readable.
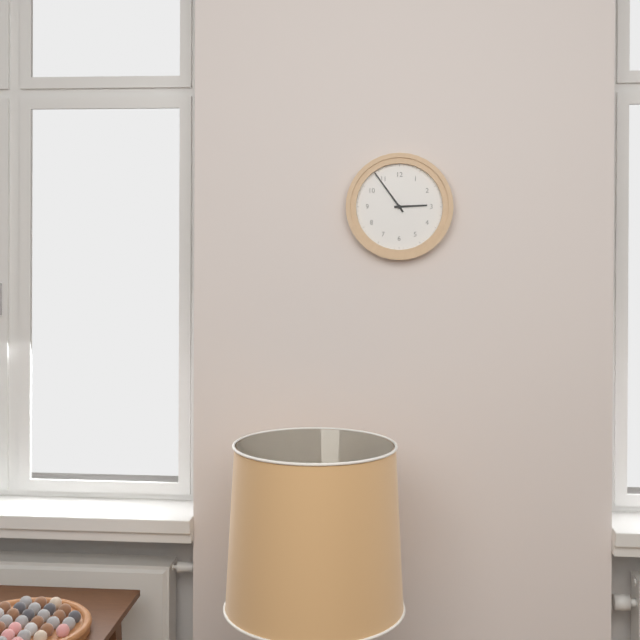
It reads 2:54
